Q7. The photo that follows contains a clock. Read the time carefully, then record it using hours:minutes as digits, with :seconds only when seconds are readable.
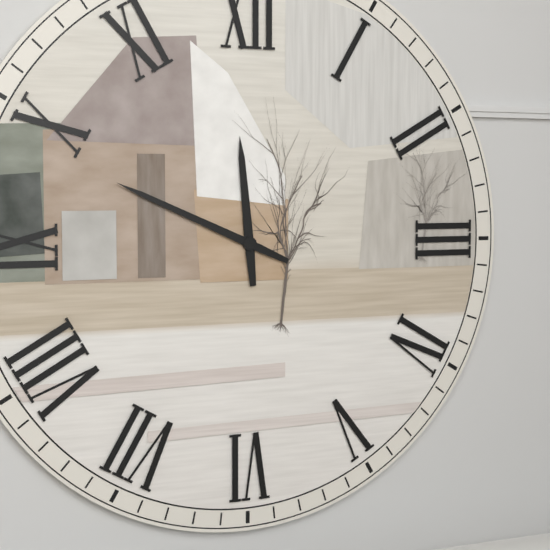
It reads 11:49
